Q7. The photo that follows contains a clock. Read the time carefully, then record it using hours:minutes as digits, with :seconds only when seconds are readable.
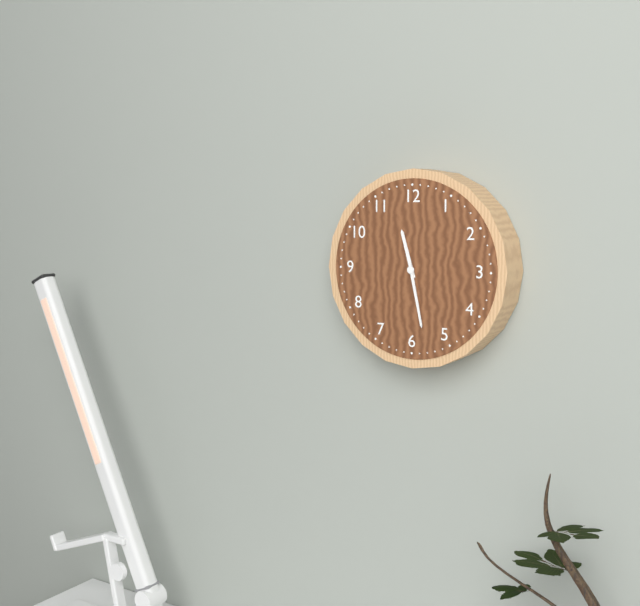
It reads 11:28
